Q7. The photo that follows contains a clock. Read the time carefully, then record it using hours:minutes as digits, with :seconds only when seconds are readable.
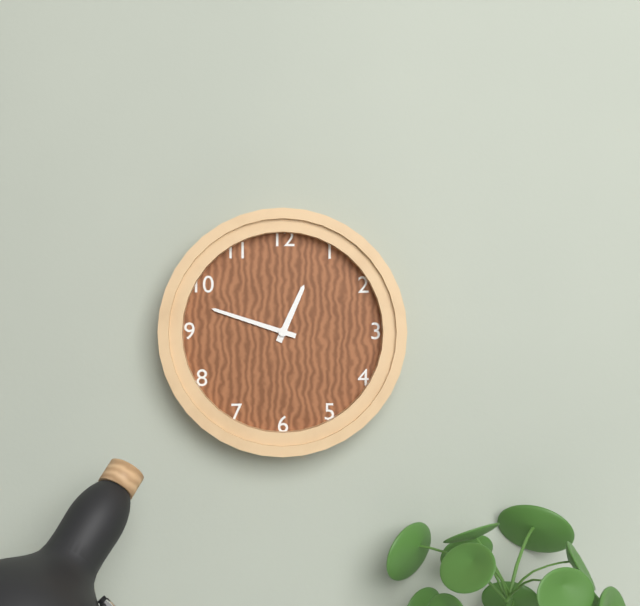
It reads 12:48
